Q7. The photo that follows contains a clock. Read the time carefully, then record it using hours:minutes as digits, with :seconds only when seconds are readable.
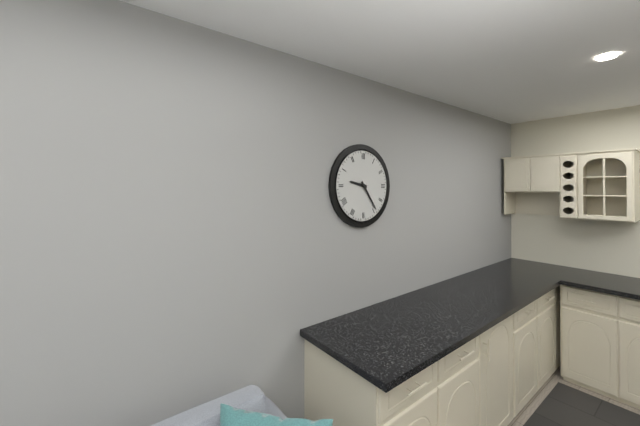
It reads 9:24
